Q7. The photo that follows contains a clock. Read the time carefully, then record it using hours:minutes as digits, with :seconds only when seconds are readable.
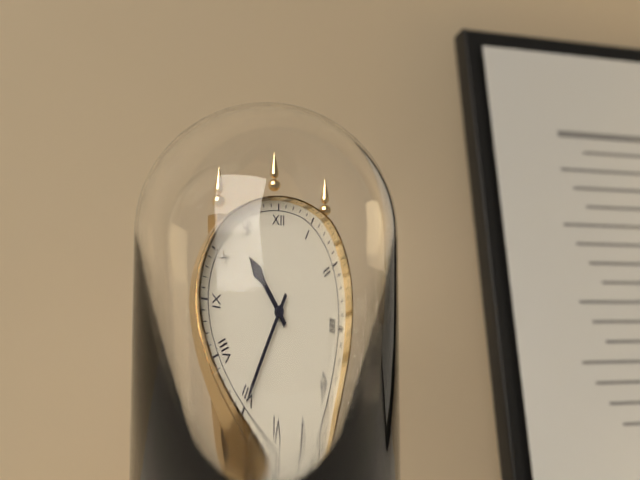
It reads 10:35
